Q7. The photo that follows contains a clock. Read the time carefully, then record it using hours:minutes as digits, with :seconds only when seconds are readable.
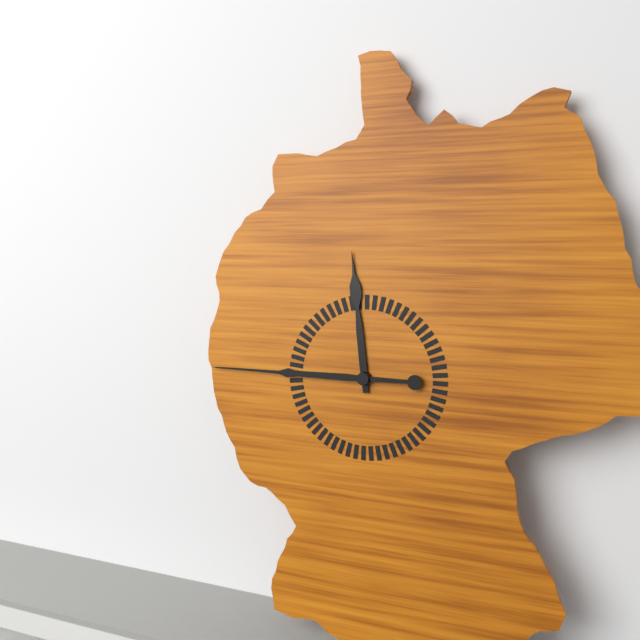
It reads 11:45
